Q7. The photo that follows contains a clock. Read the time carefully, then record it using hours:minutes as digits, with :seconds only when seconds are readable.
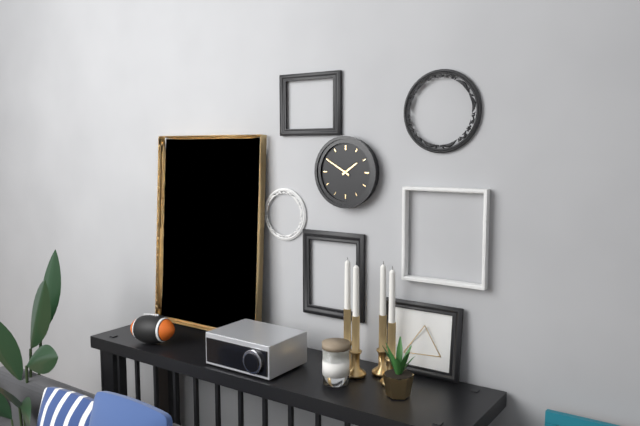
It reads 1:50
